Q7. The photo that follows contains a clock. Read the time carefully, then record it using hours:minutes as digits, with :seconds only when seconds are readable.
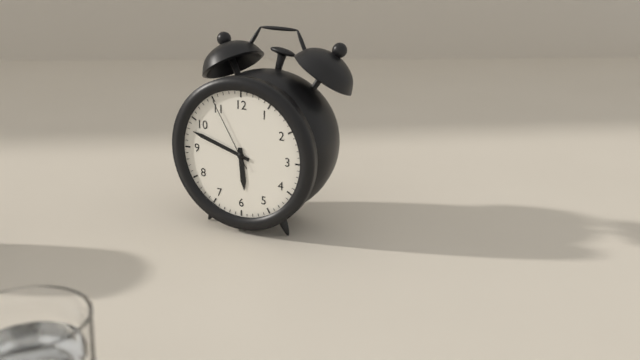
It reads 5:48:55
